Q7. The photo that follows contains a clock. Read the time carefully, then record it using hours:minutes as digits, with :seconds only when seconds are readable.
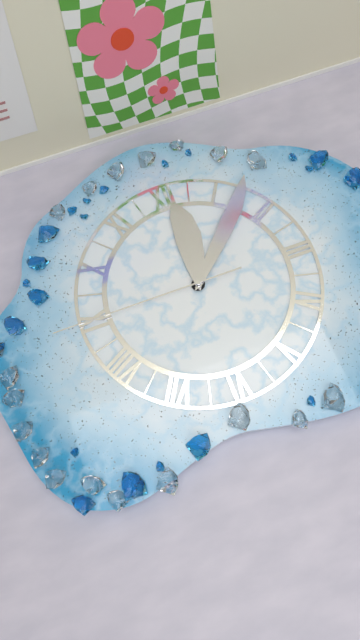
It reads 12:07:45
